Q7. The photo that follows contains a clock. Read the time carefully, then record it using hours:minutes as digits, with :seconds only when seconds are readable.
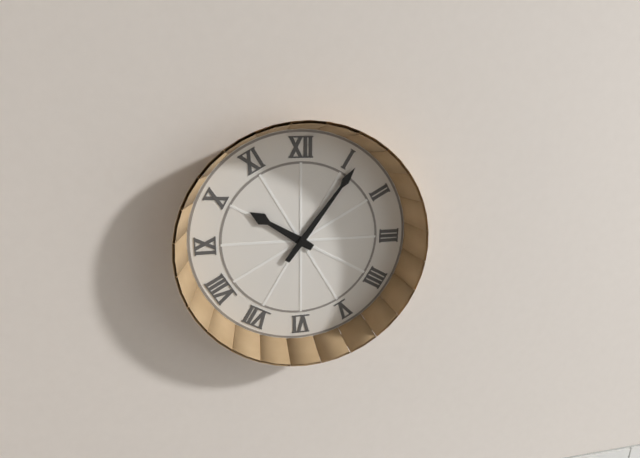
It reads 10:06
